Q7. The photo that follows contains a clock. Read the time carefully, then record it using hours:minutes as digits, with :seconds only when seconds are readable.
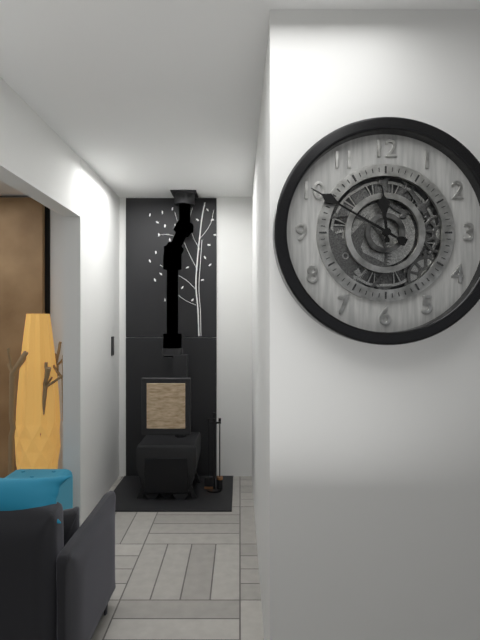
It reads 11:50
